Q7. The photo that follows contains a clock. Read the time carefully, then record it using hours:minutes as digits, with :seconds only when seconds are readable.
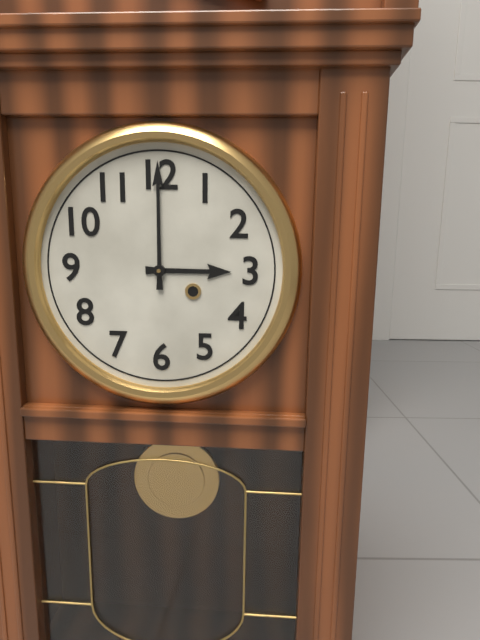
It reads 3:00
